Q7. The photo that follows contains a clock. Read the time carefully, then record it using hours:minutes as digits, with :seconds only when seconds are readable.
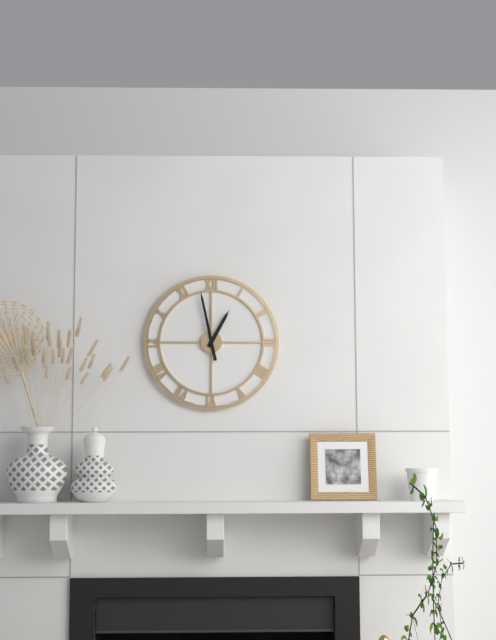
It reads 12:58
